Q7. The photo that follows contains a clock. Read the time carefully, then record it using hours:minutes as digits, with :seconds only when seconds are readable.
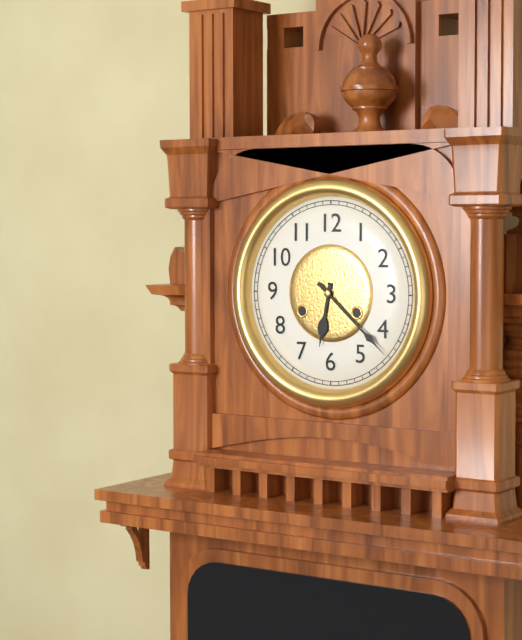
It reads 6:22
